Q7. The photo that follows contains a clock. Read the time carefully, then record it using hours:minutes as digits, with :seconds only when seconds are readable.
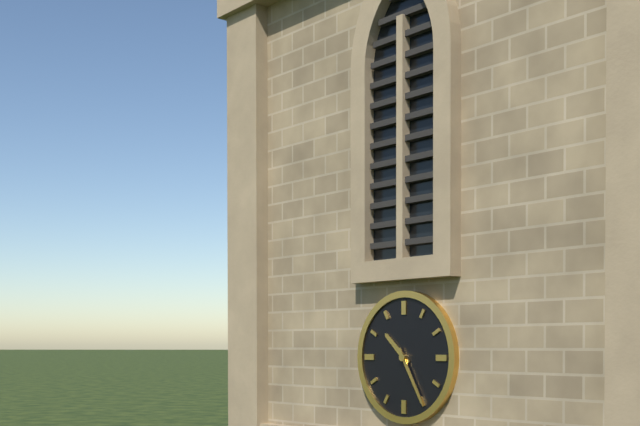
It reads 10:25
